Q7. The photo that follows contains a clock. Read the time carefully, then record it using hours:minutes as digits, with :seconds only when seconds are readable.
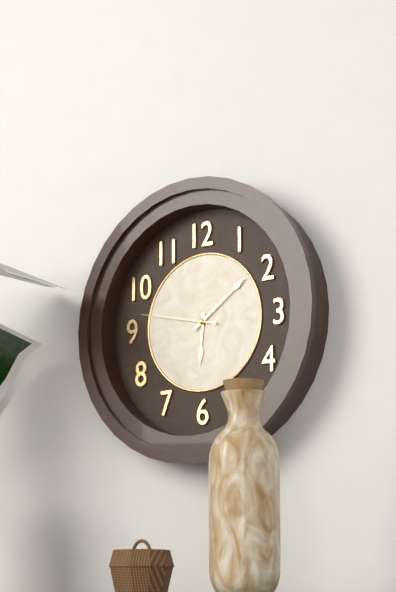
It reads 6:09:47
